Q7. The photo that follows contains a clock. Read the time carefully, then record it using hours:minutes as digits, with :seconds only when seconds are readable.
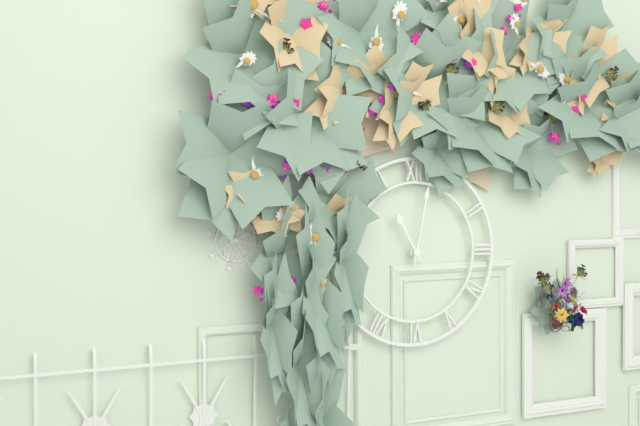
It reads 11:02
